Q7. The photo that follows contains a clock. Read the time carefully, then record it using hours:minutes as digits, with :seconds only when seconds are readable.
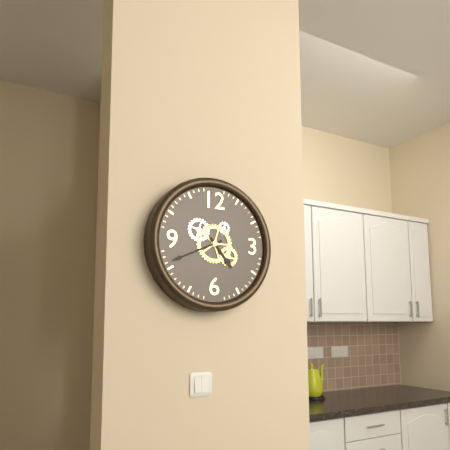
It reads 4:41
